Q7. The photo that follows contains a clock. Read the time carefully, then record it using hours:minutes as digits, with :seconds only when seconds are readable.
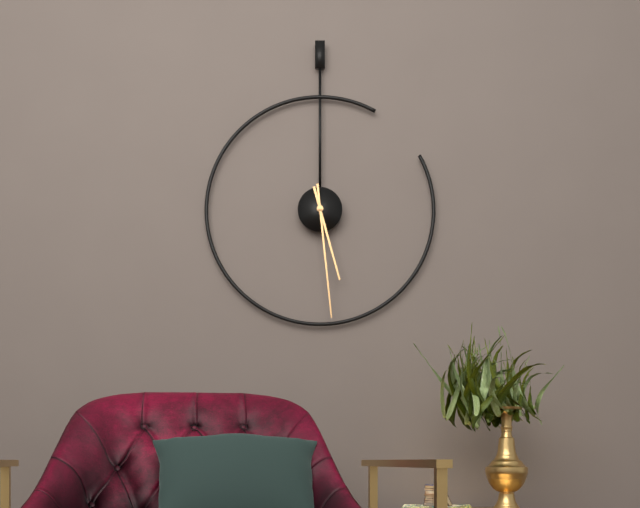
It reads 5:29
